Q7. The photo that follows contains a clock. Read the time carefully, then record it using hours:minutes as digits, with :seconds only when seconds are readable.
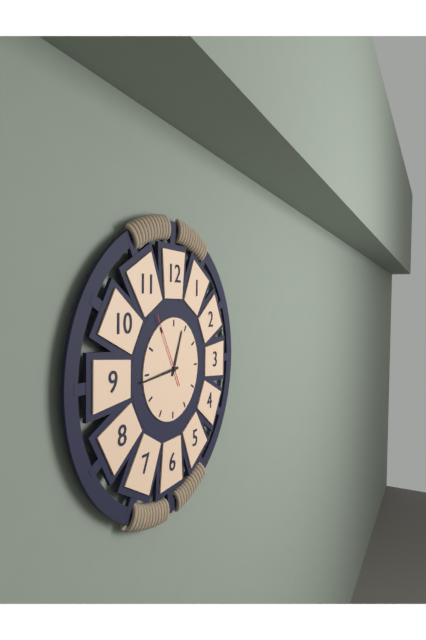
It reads 12:44:55
